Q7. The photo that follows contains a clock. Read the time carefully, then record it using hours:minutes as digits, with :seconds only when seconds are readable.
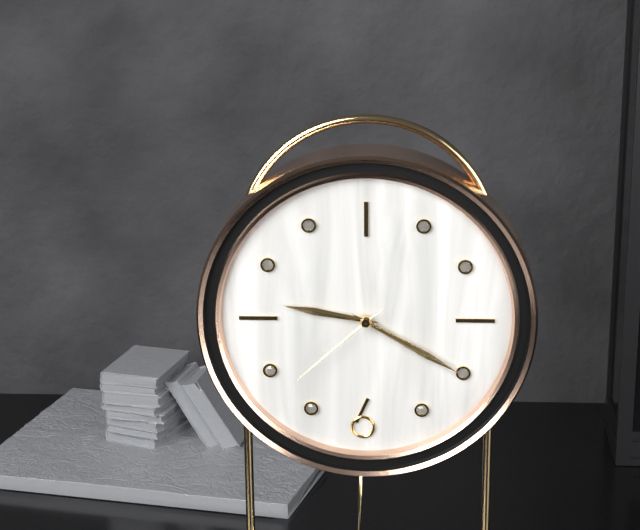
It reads 9:20:38
